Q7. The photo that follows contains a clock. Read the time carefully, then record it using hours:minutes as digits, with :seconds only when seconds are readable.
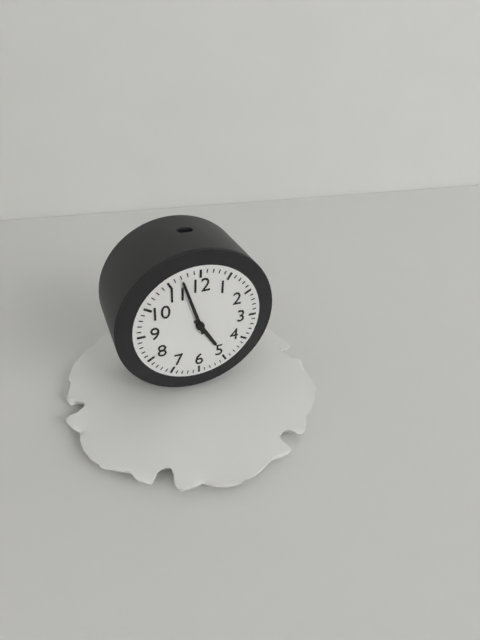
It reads 4:57
